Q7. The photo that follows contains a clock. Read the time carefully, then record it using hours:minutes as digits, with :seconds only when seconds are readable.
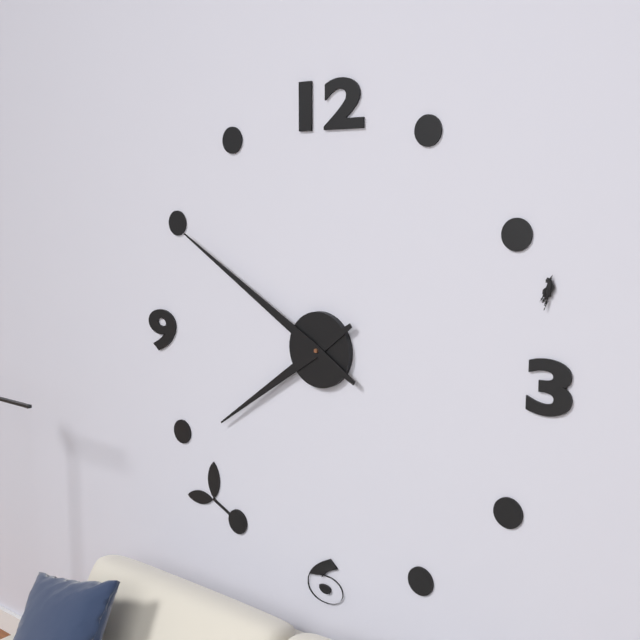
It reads 7:50
